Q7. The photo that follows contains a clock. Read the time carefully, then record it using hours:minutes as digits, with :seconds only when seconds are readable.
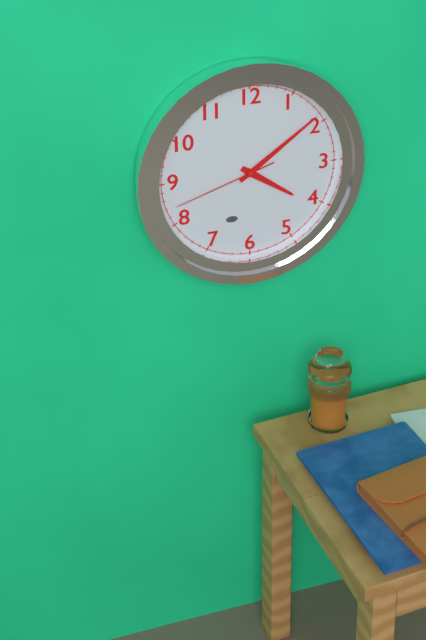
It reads 4:09:42
